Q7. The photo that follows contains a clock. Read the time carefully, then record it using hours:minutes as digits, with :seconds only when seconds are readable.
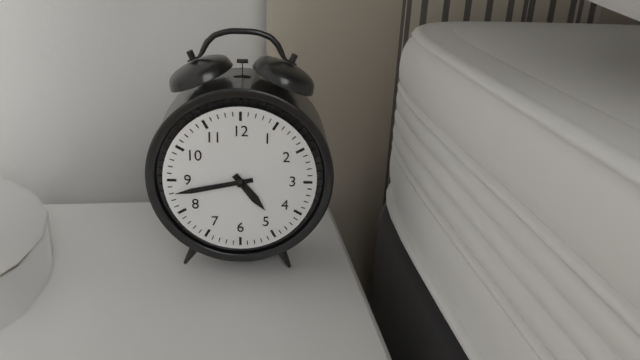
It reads 4:43
